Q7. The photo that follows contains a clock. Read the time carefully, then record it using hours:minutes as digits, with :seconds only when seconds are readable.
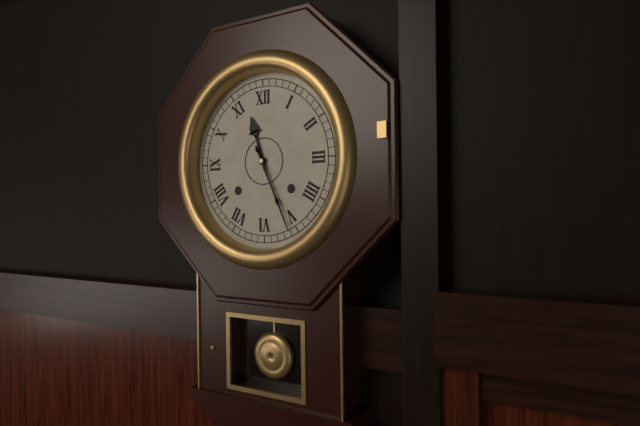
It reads 11:26
